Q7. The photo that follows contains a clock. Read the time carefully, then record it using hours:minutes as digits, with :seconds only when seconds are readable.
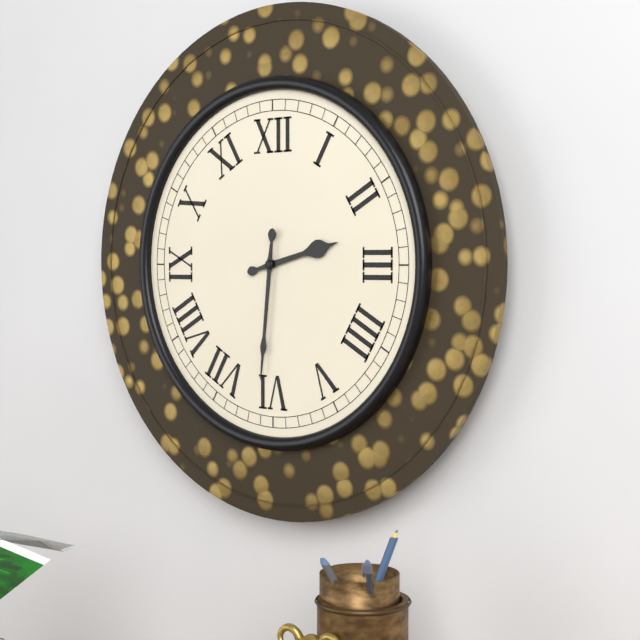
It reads 2:31
